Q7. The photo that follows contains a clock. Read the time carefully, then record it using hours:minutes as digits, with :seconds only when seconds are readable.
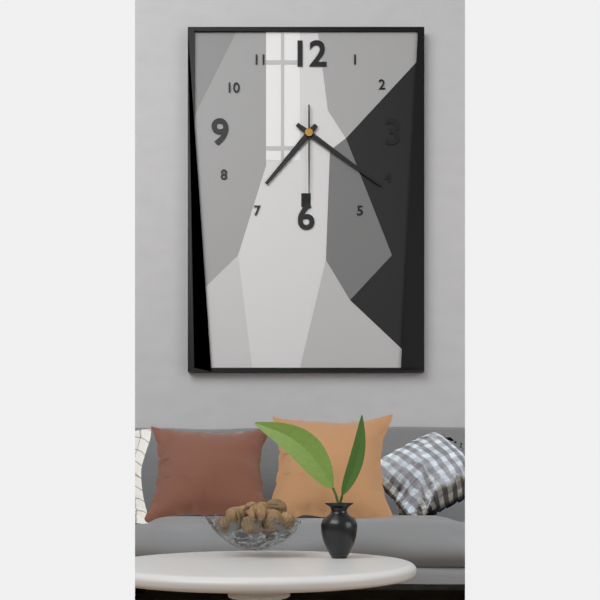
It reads 7:21:30
